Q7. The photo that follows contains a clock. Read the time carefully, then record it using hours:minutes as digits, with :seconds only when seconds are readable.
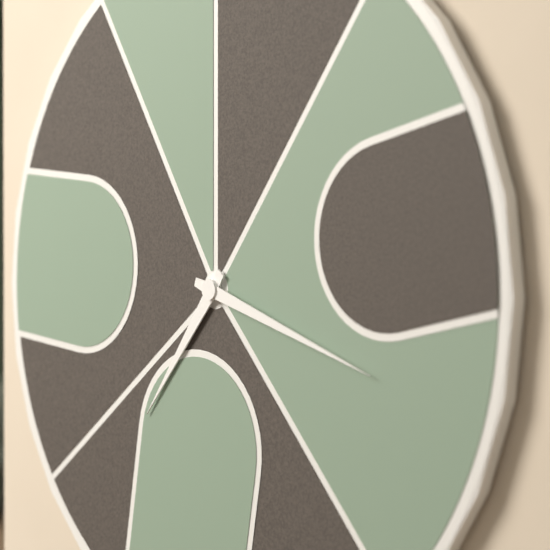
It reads 7:18
